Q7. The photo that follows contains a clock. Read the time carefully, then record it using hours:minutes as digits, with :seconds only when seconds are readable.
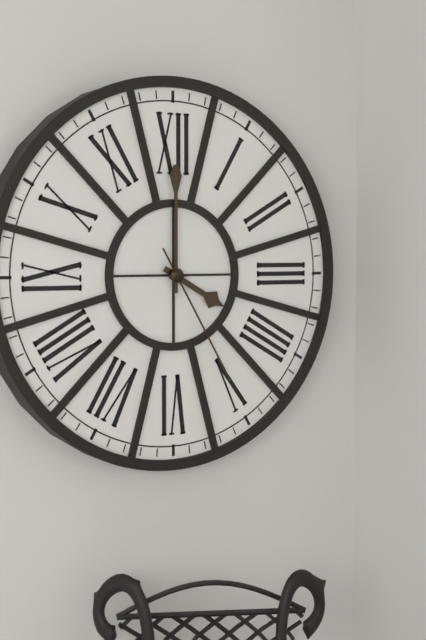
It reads 4:00:25
